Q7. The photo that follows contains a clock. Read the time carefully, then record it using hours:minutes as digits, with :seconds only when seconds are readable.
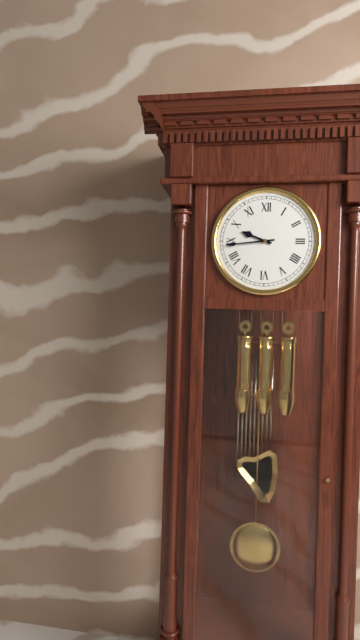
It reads 9:44
